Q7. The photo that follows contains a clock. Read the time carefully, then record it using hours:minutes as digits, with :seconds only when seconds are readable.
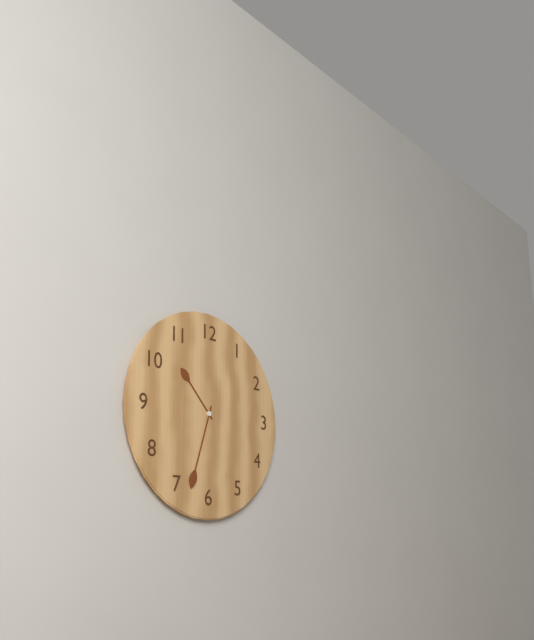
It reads 10:33
